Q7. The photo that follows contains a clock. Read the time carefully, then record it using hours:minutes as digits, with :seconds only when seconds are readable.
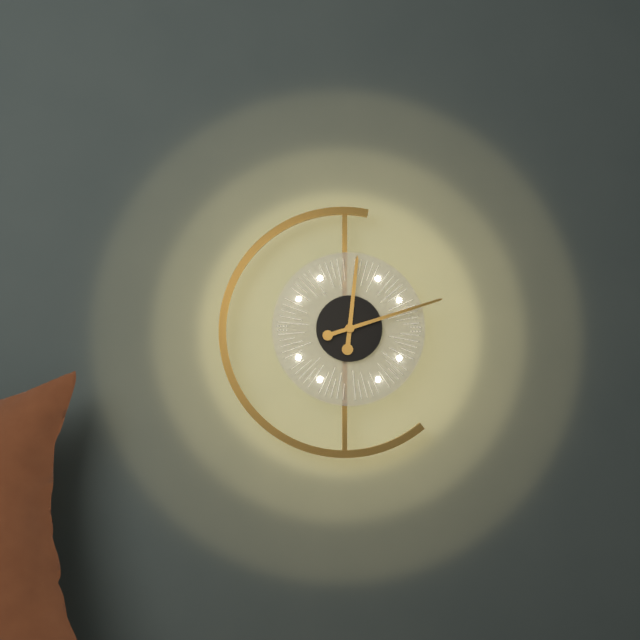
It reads 12:12
